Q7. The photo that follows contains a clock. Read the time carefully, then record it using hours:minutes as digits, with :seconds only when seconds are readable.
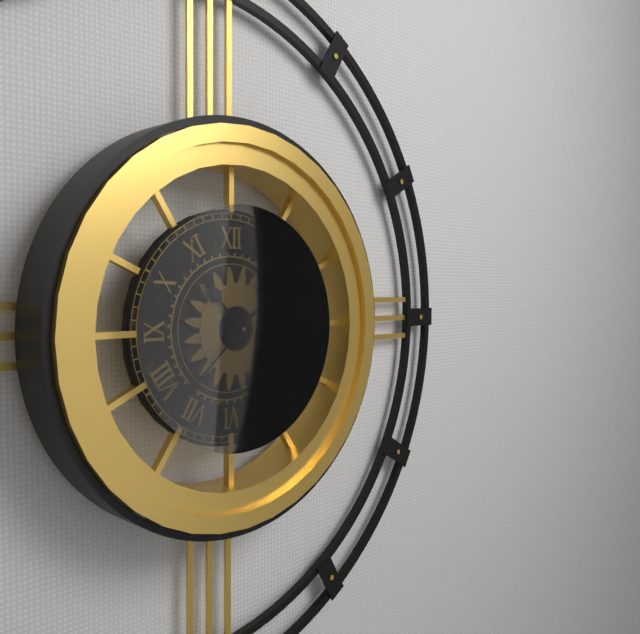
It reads 10:38
